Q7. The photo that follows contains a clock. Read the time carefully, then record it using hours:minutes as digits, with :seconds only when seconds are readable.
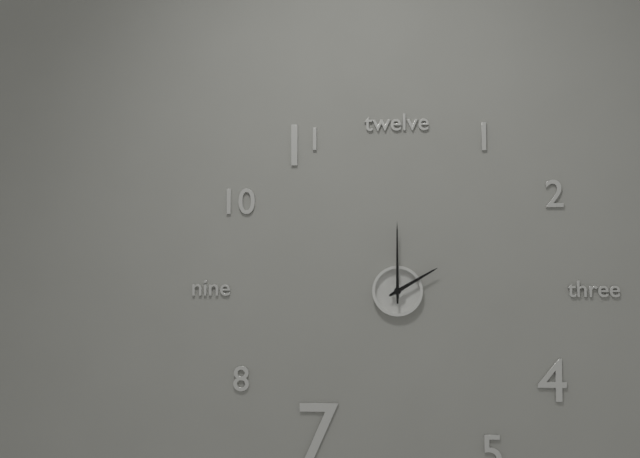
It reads 2:00
